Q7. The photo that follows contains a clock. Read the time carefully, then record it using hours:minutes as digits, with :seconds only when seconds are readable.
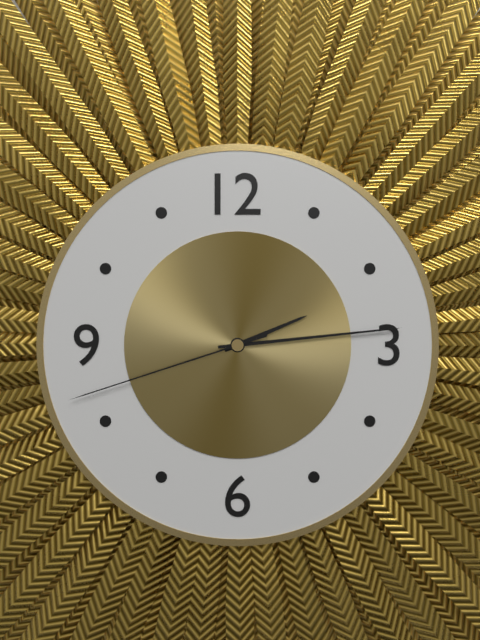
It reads 2:14:42
